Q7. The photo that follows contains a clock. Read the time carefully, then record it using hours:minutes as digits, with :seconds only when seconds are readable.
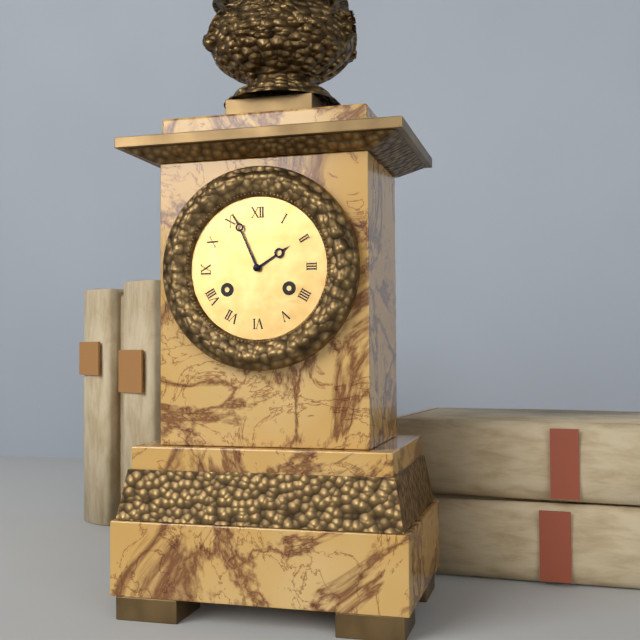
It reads 1:56
